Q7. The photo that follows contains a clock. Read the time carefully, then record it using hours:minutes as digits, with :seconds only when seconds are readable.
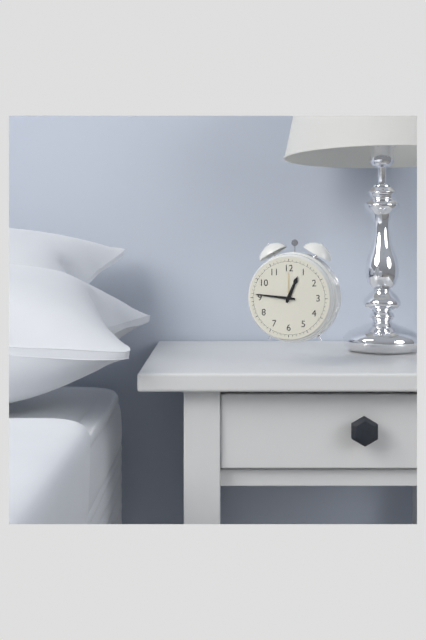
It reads 12:46
